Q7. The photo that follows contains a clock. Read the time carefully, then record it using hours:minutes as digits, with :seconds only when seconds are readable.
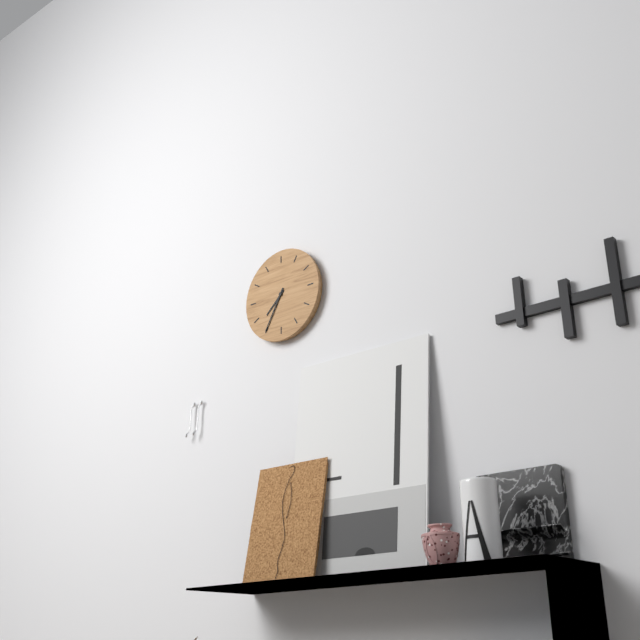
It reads 7:35
